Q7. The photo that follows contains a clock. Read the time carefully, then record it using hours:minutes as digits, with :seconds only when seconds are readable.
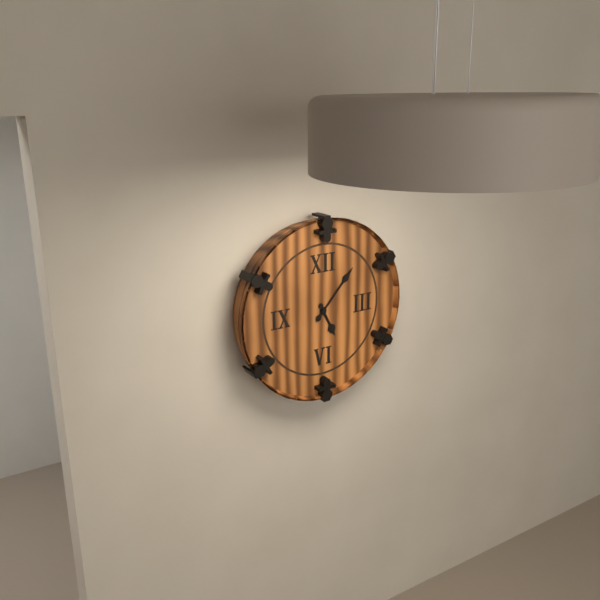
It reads 5:07
